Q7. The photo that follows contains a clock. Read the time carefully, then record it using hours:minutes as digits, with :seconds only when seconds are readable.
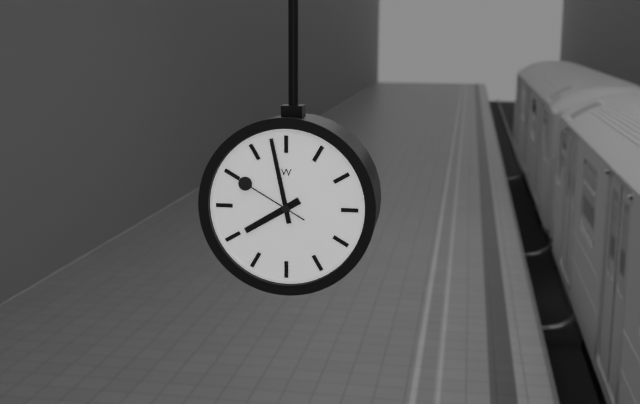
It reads 7:58:50
